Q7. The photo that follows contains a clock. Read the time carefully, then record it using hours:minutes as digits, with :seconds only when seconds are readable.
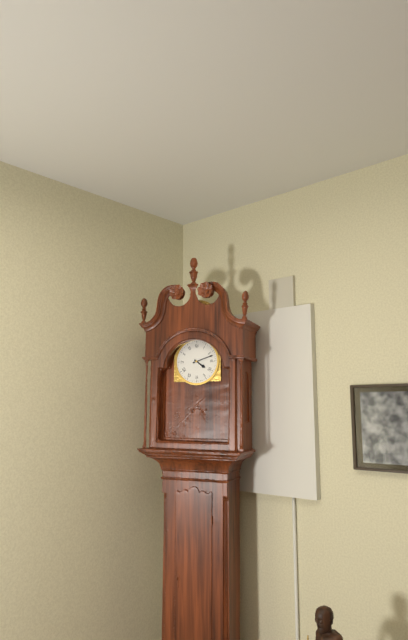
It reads 4:12
